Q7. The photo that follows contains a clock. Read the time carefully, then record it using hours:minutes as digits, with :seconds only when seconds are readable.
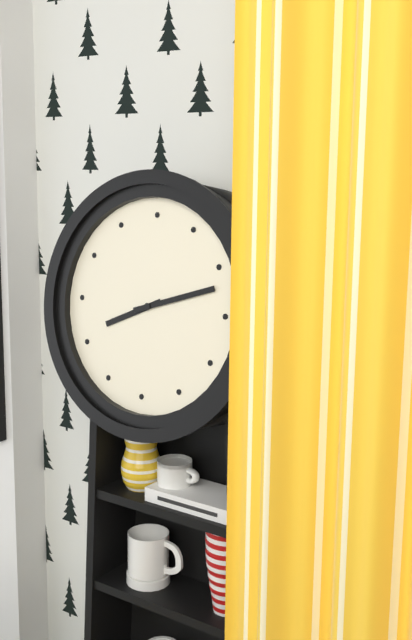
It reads 8:12
